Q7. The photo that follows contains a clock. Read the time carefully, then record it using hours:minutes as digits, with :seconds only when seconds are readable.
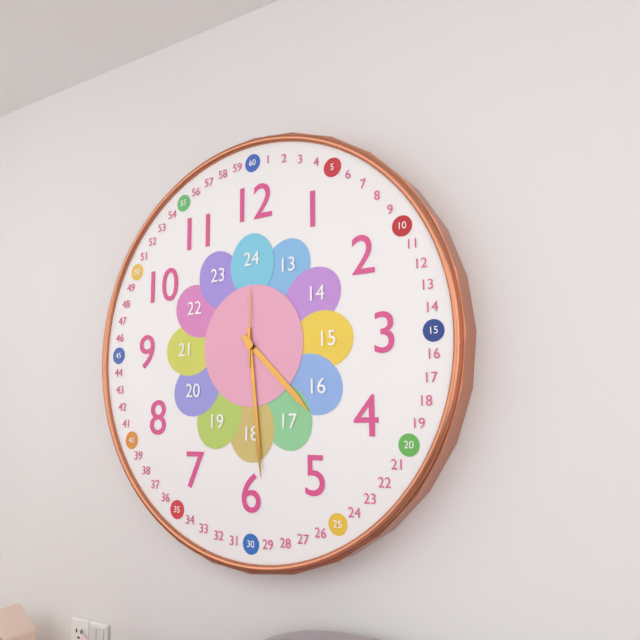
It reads 4:29:00
